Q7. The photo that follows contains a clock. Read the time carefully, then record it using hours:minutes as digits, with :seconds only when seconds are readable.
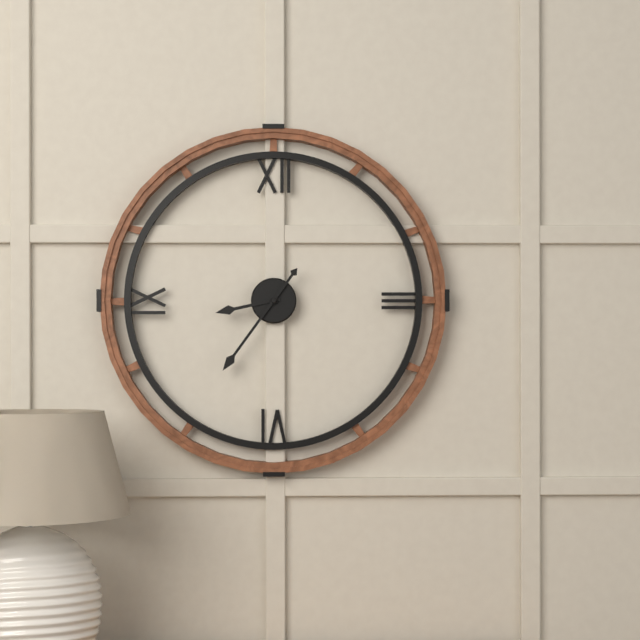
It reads 8:36
